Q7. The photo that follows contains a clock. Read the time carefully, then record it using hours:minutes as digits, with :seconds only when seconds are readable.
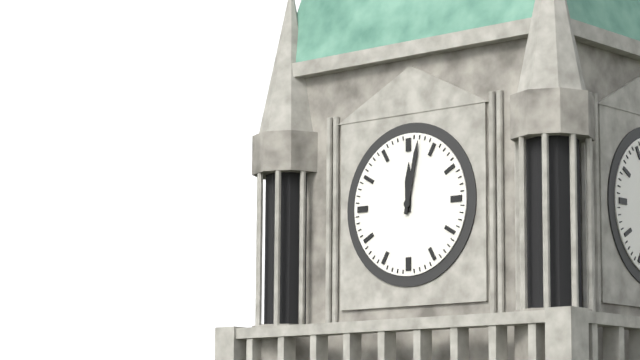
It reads 12:02
